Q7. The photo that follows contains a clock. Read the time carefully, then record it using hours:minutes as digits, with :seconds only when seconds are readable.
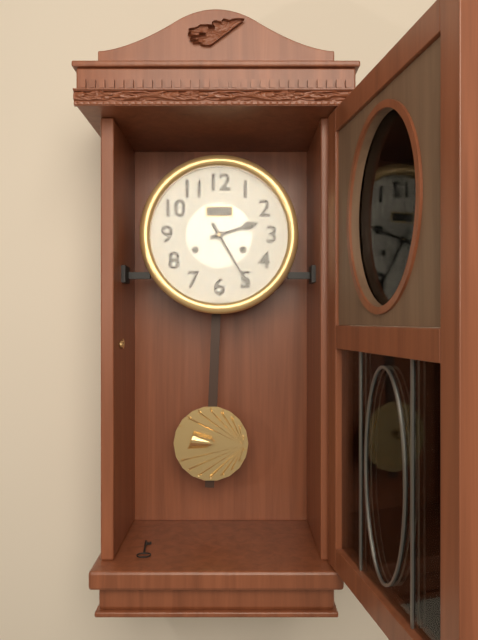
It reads 2:25
